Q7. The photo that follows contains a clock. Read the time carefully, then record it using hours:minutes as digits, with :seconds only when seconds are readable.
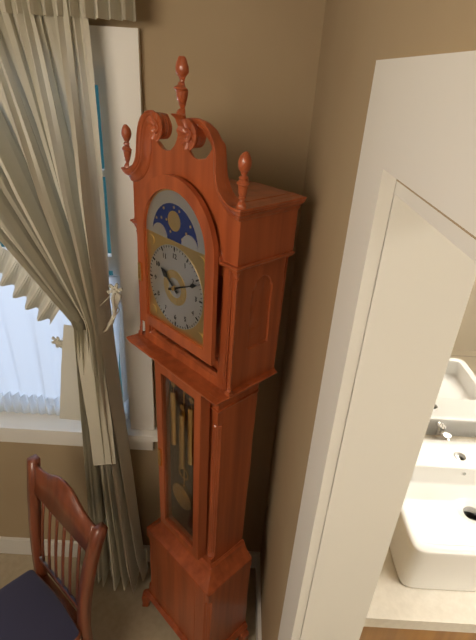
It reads 10:11
